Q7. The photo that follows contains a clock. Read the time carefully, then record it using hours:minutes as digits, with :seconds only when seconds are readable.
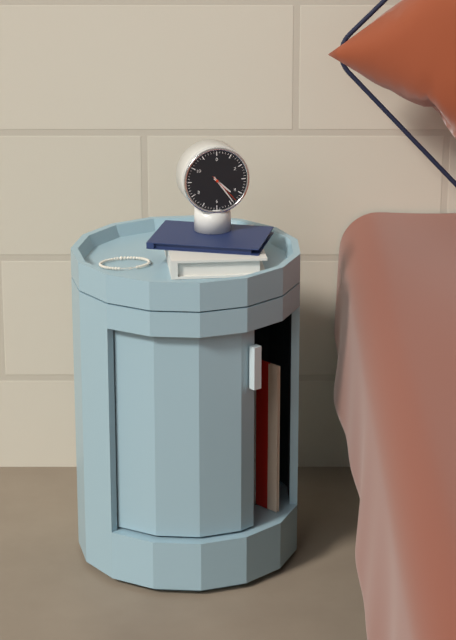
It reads 4:24
